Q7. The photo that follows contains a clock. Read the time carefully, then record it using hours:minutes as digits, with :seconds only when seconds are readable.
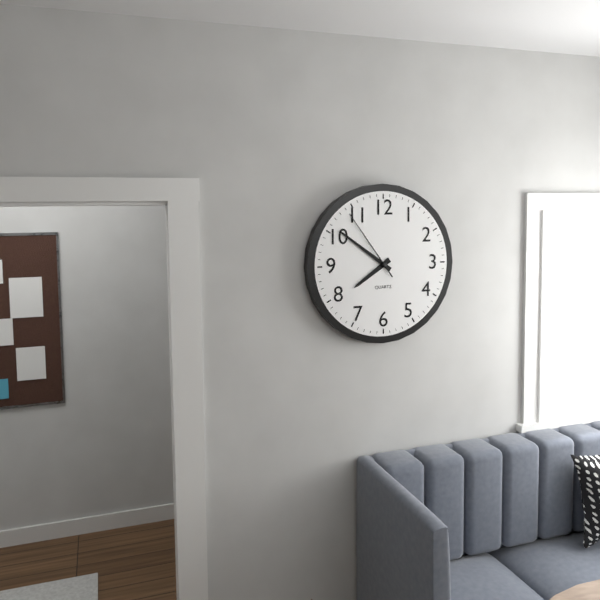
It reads 7:51:54
